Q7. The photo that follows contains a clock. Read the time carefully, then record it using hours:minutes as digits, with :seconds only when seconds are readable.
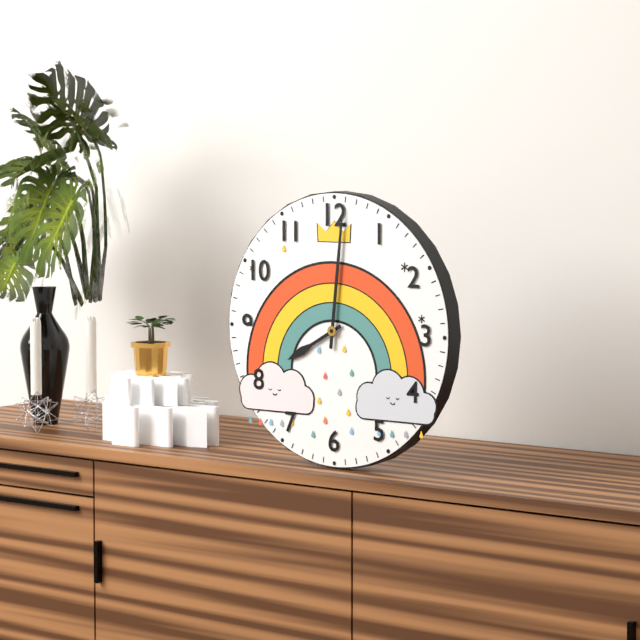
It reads 8:01
